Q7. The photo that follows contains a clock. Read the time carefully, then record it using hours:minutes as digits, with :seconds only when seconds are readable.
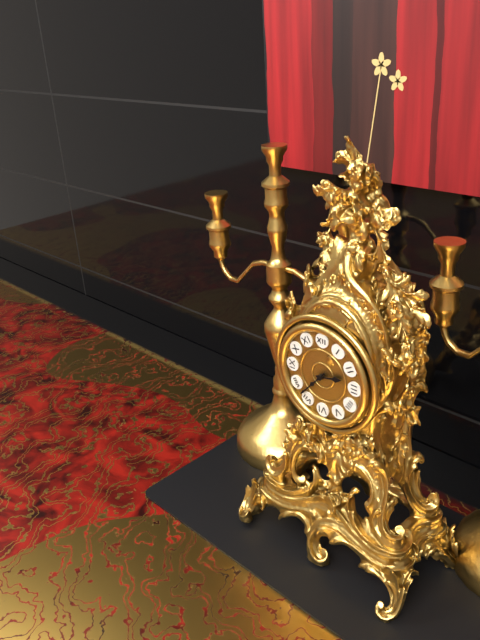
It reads 2:37
